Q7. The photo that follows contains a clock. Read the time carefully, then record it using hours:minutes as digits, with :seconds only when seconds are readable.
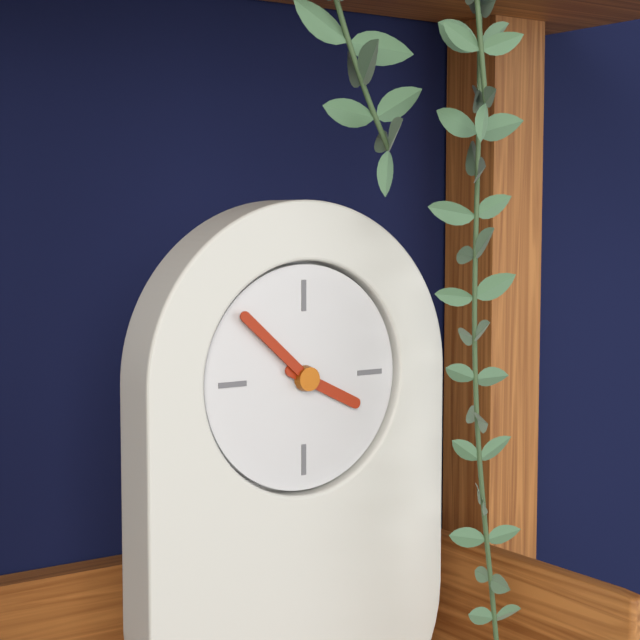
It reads 3:52
